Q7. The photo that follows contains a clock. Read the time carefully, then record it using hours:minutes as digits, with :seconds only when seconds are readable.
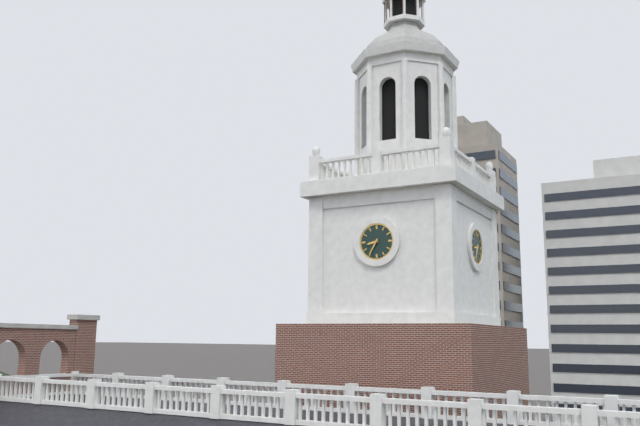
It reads 8:35
